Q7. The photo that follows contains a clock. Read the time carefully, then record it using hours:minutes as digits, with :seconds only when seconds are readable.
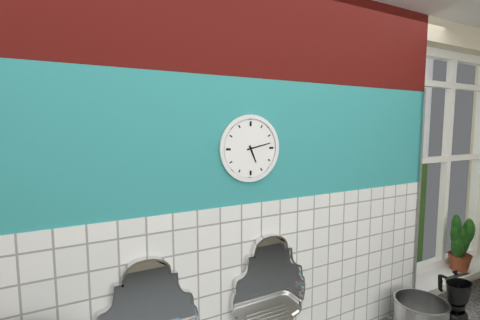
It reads 5:13
